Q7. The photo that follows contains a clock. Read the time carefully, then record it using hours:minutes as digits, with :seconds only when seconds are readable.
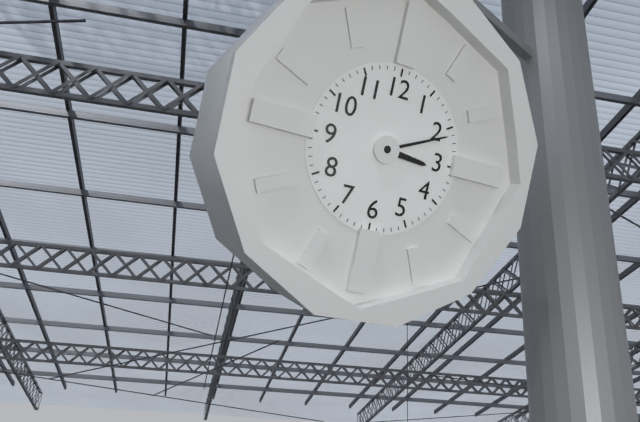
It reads 3:11
